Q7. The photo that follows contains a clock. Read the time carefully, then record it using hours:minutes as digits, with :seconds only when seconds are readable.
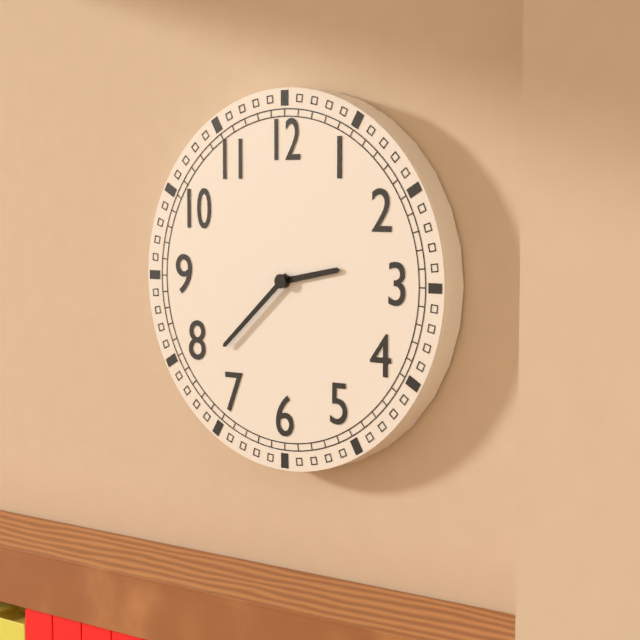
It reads 2:38
